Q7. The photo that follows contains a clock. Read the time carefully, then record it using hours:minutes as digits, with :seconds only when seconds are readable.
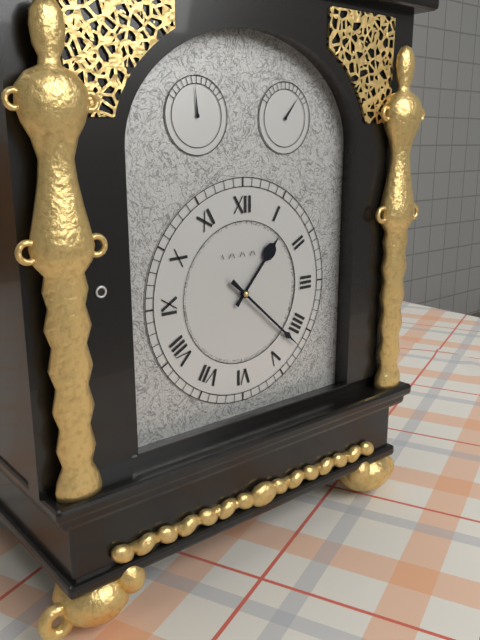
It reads 1:22
